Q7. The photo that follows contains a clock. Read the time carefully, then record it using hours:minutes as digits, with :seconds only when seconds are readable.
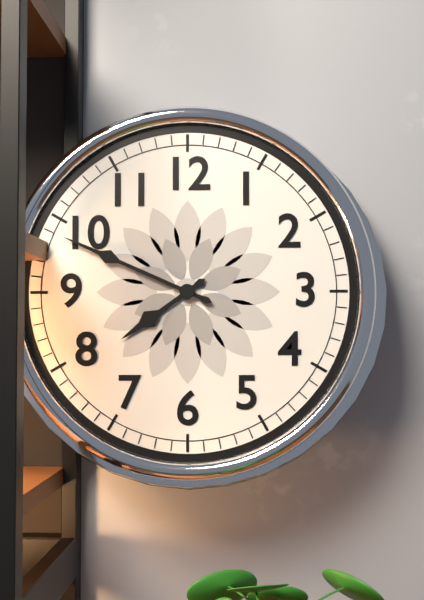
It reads 7:49
